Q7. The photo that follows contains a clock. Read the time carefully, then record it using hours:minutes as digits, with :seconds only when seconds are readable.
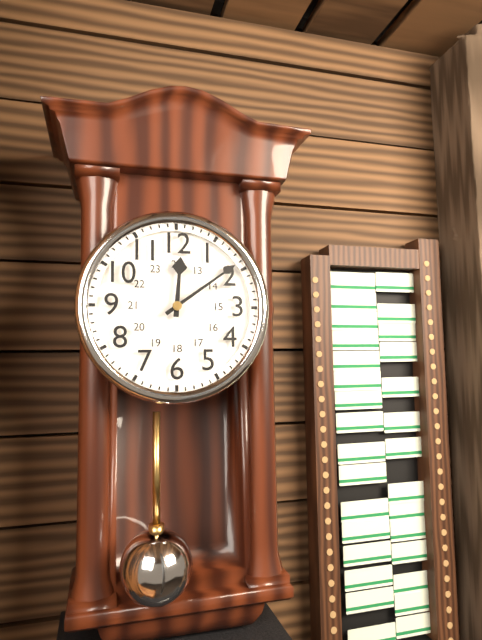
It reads 12:09
